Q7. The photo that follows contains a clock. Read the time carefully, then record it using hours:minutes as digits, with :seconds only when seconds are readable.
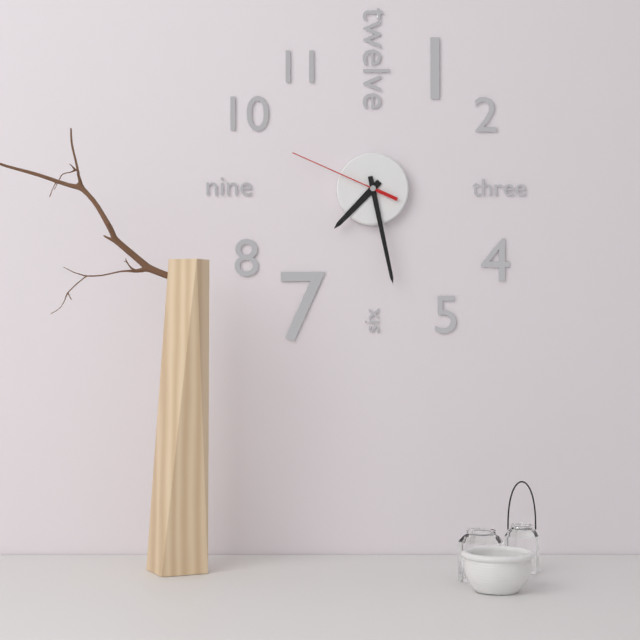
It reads 7:28:49
